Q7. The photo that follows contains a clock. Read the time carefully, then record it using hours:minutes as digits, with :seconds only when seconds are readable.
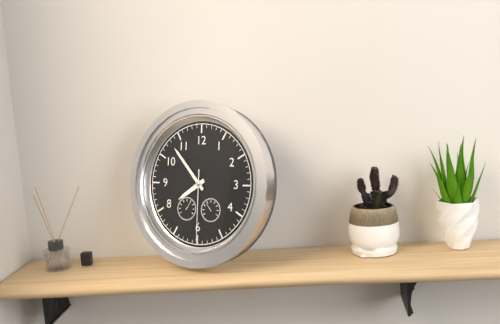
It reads 7:53:30
